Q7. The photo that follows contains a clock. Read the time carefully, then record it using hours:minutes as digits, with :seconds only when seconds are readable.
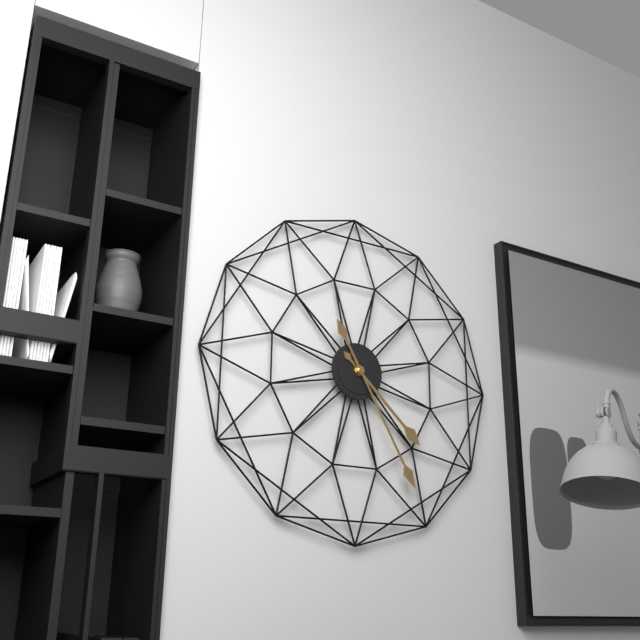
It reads 4:25
